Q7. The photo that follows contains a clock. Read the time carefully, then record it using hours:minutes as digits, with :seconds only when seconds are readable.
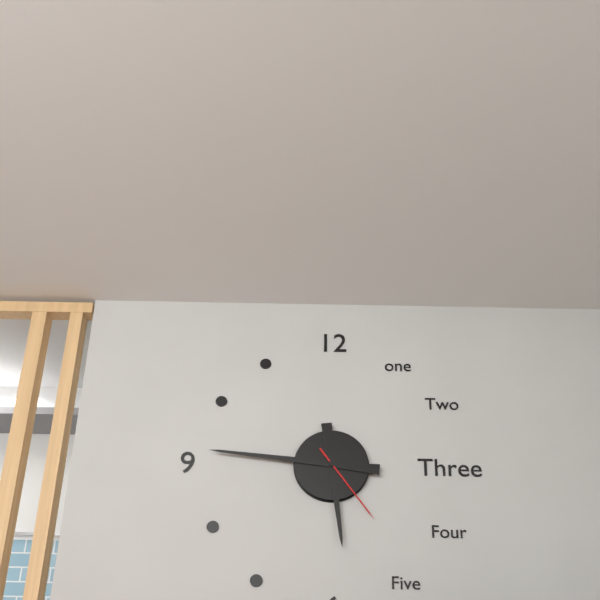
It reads 5:46:24
